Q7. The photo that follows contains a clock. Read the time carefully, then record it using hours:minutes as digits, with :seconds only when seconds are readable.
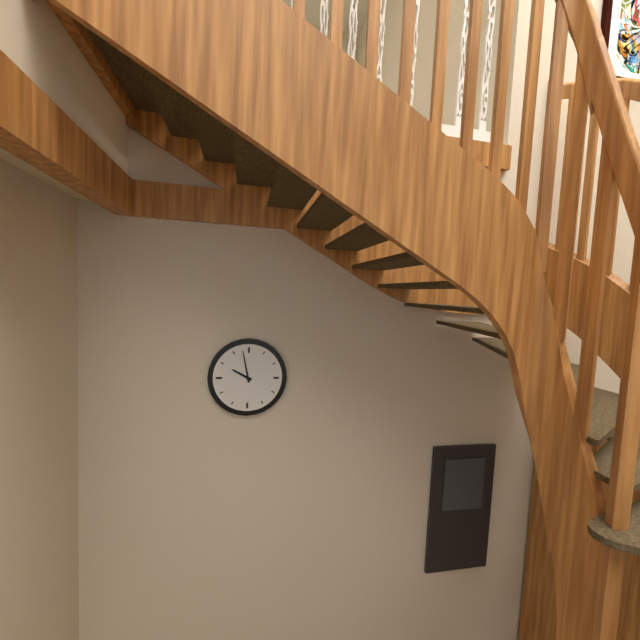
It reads 9:58
